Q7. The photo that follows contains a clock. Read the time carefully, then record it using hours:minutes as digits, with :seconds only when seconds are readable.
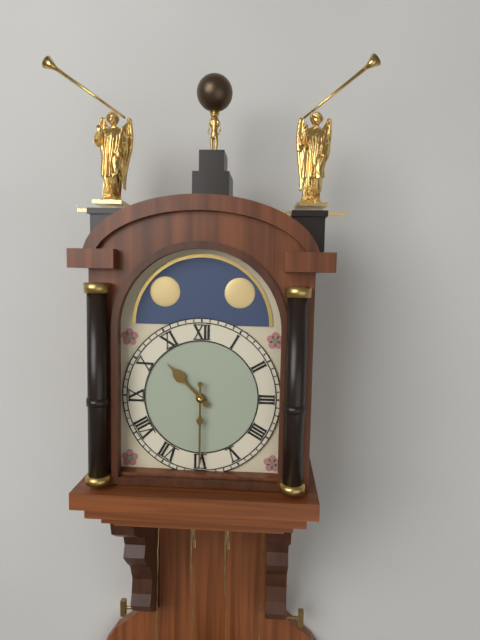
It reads 10:30
